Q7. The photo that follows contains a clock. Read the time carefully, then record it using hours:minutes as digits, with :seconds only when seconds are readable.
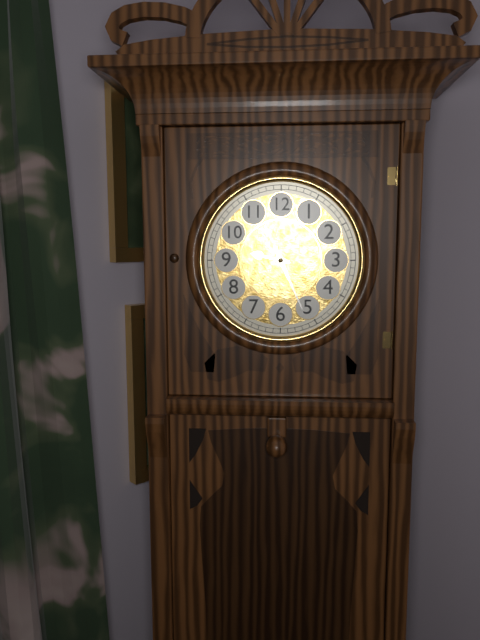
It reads 9:26
